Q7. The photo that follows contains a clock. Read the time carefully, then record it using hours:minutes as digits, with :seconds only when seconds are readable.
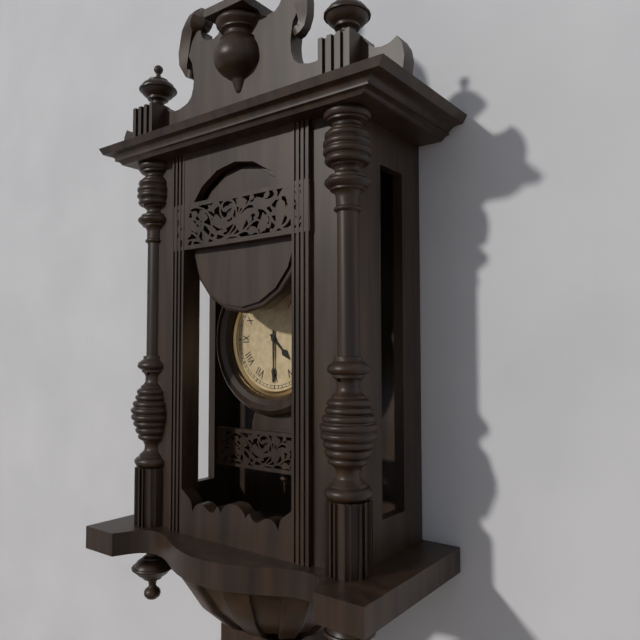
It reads 4:30
